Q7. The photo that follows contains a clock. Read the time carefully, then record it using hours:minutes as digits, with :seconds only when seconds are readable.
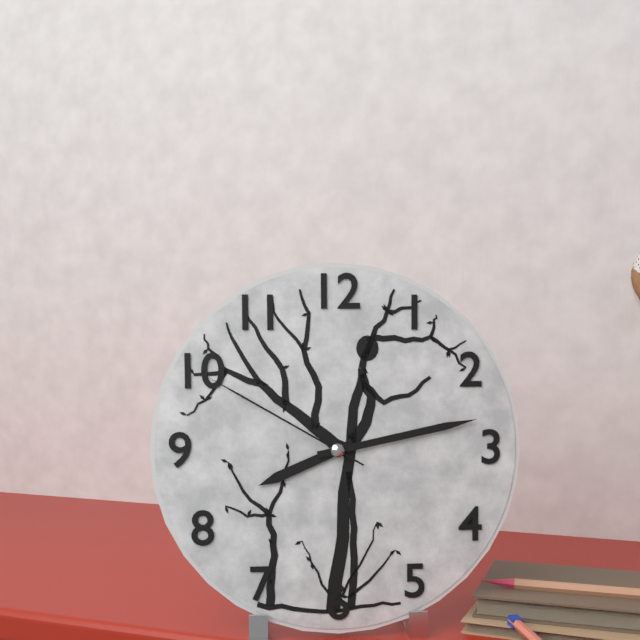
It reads 8:13:50
